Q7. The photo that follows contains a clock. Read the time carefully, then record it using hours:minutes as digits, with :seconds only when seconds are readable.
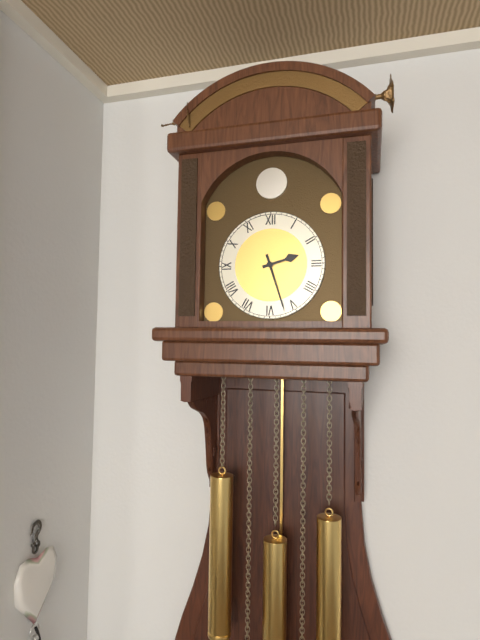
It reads 2:27
